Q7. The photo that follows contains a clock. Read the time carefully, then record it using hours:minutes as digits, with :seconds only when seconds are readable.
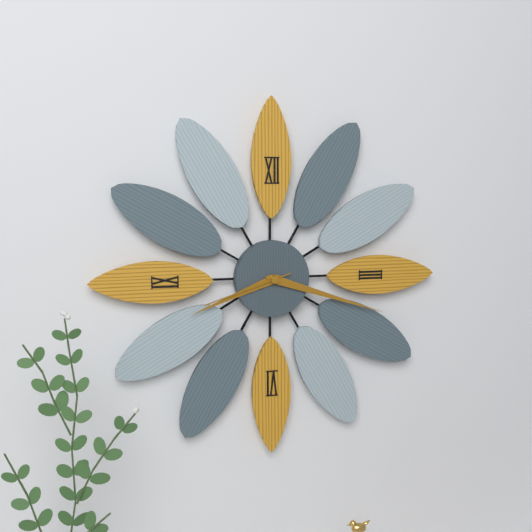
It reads 8:18:42
